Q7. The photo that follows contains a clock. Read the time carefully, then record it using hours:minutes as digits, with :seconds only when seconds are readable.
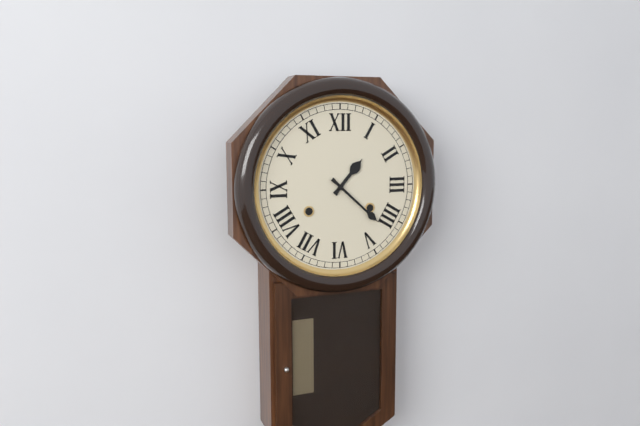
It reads 1:22
